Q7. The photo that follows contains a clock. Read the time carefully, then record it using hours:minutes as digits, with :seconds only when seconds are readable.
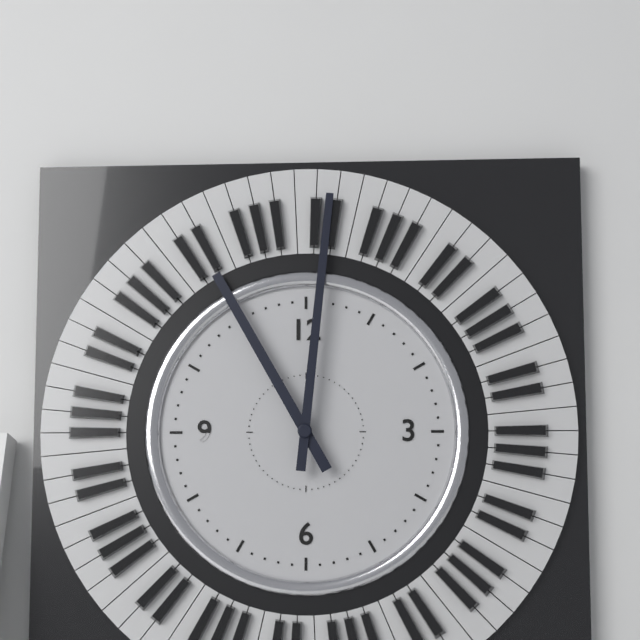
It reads 11:01
